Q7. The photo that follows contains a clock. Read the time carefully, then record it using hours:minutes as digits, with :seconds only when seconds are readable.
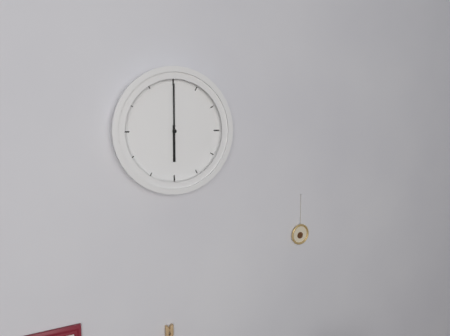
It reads 6:00
